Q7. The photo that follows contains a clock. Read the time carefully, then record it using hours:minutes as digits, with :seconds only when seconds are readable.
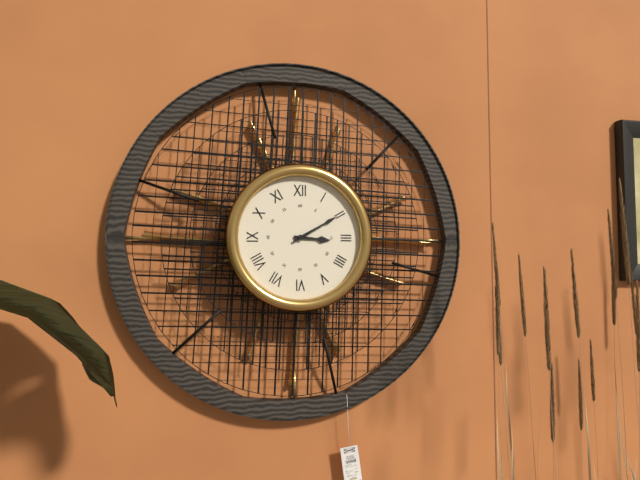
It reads 3:10
